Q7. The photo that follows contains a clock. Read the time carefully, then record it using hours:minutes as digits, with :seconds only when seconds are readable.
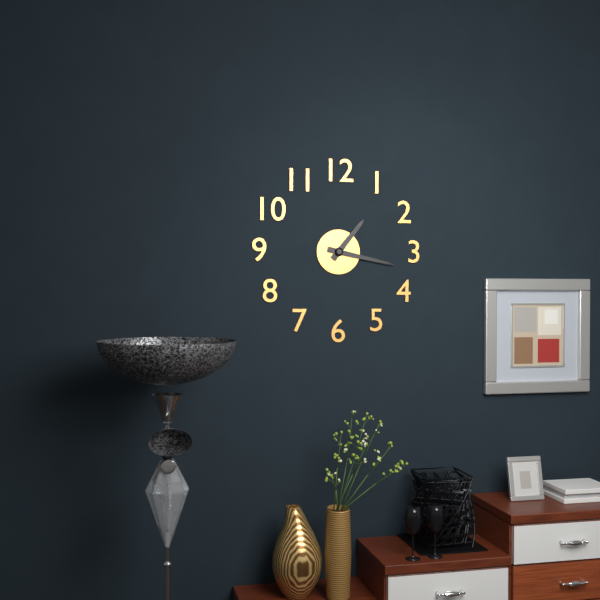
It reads 1:17
